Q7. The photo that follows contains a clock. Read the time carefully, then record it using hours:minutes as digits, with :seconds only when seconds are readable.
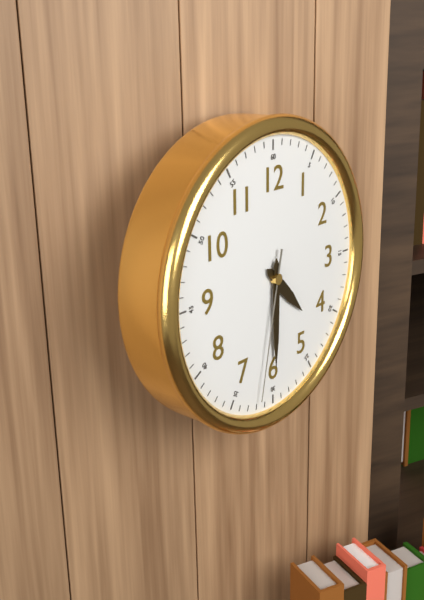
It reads 4:30:32
